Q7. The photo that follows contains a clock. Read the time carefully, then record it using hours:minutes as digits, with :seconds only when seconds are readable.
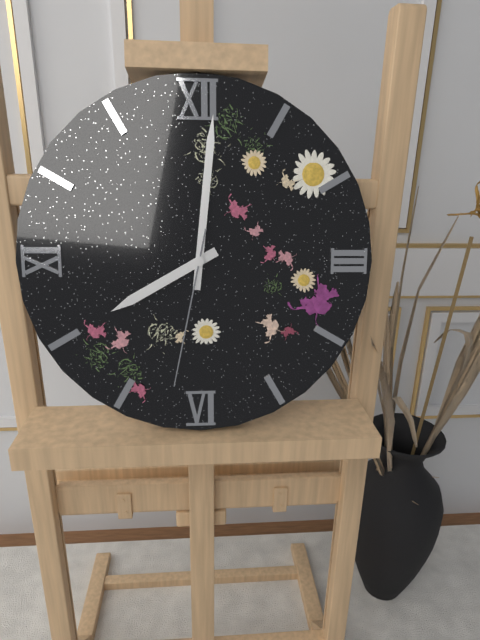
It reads 8:01:32
